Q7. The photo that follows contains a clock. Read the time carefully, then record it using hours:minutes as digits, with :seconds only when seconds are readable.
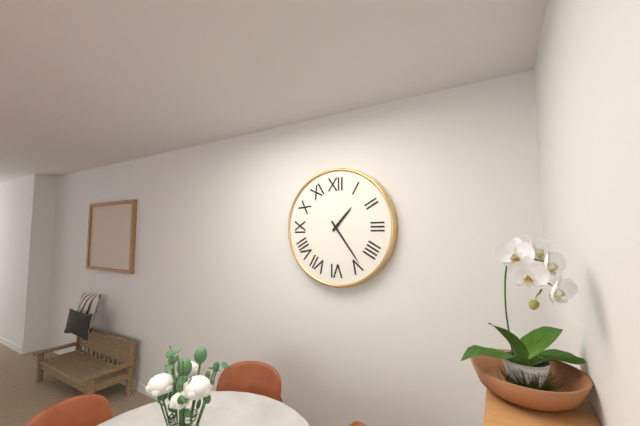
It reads 1:24
